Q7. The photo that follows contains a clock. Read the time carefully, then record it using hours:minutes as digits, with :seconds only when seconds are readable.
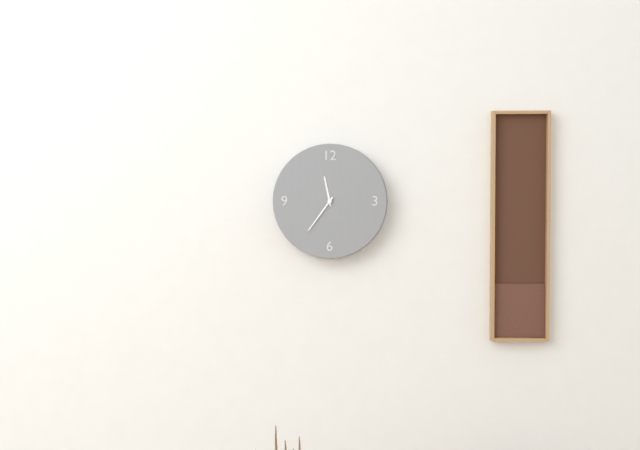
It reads 11:36
